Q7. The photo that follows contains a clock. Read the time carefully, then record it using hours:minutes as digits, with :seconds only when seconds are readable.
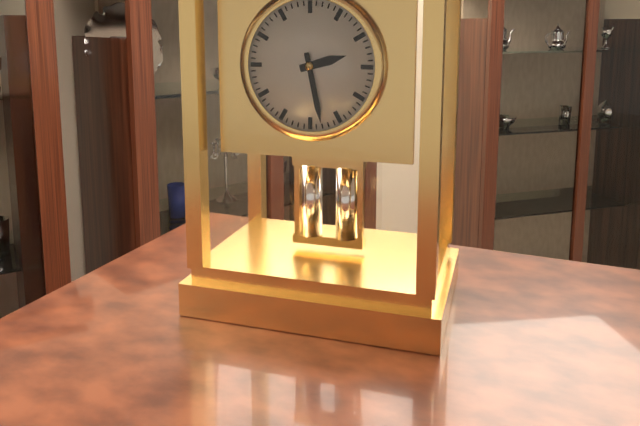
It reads 2:28
